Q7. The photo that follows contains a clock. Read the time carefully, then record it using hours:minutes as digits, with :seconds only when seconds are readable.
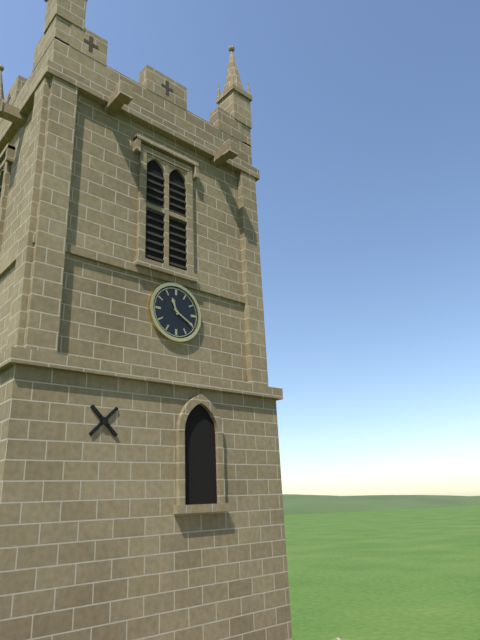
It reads 11:20
